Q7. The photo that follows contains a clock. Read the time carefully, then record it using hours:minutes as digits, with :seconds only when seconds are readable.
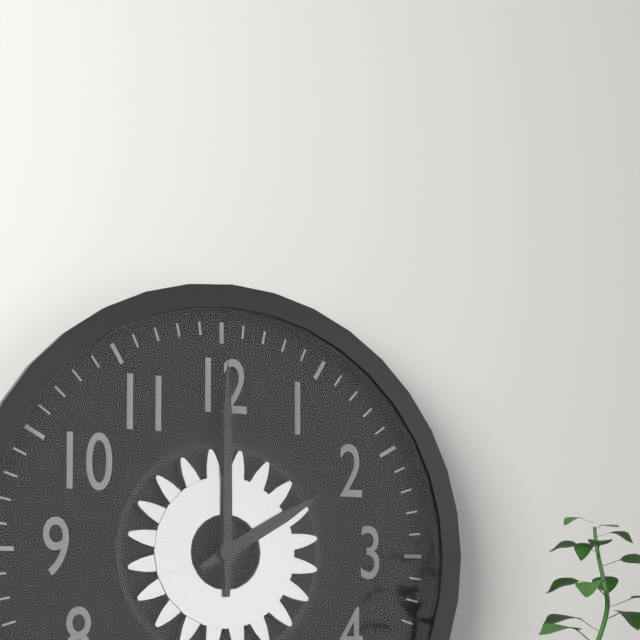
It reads 2:00
